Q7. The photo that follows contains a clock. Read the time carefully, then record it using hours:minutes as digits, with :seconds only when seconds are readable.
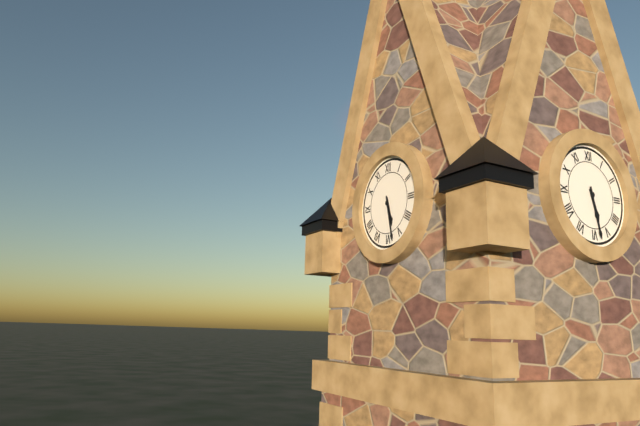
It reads 5:28
